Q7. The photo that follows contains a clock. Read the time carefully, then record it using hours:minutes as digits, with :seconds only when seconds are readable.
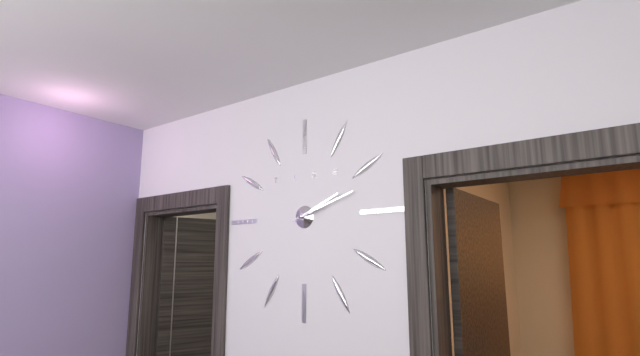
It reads 2:12
